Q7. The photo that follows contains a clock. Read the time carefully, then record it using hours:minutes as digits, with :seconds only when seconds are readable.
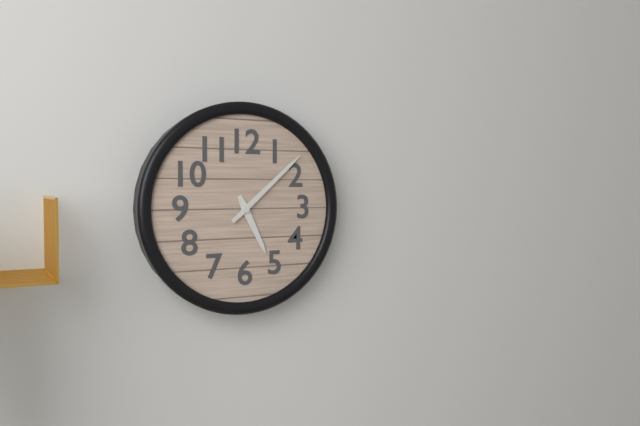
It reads 5:08
